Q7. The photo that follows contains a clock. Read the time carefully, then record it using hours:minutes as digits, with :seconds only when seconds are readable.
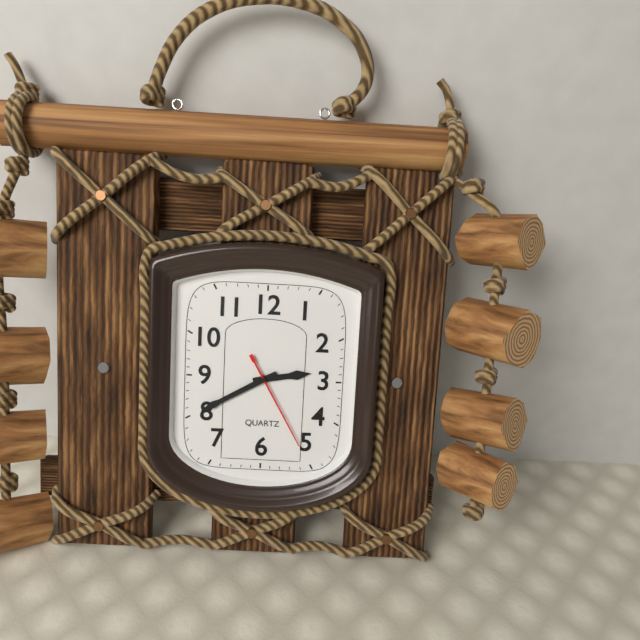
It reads 2:40:25
